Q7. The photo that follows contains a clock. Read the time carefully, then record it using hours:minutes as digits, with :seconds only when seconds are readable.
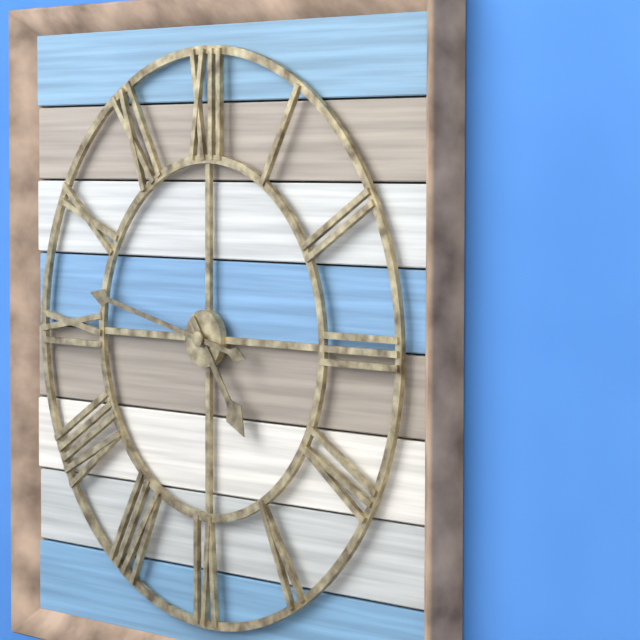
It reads 4:47
